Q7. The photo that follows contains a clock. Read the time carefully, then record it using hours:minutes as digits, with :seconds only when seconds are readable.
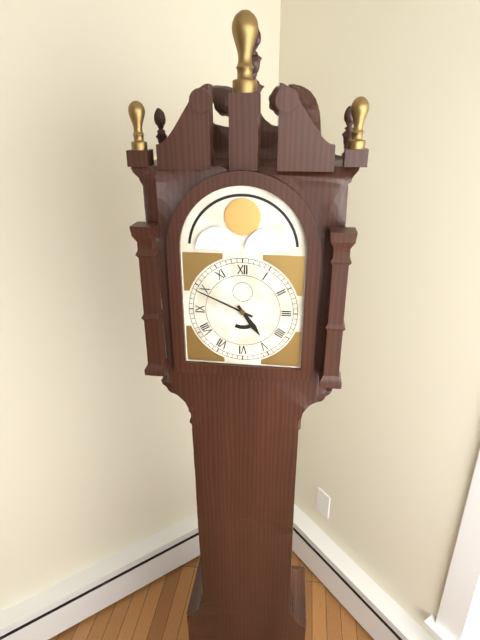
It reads 4:49
